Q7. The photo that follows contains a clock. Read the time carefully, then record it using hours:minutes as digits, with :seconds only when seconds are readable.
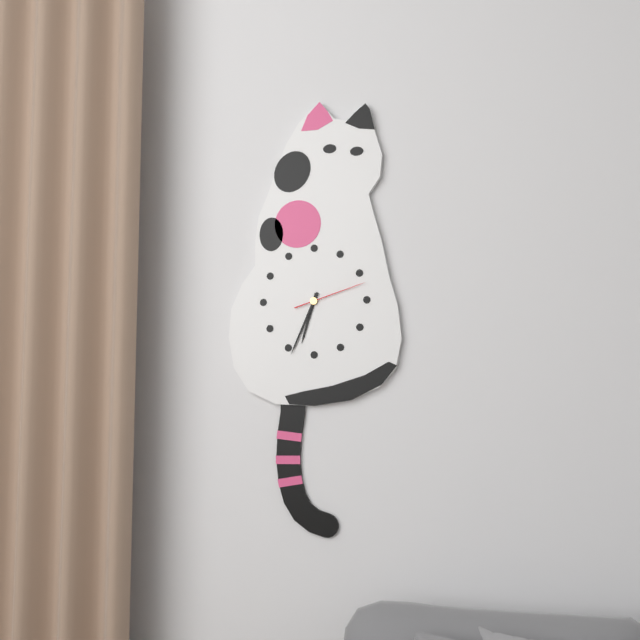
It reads 6:34:12
